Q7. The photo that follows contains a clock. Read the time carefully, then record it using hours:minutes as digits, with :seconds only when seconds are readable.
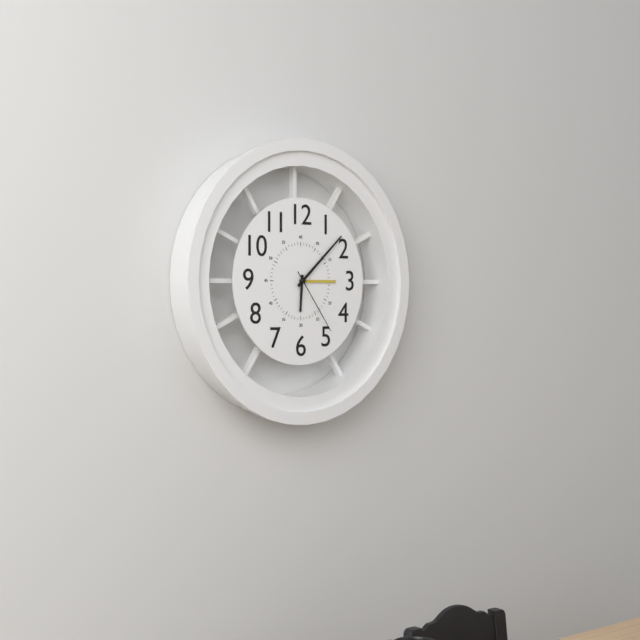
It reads 6:08:24
